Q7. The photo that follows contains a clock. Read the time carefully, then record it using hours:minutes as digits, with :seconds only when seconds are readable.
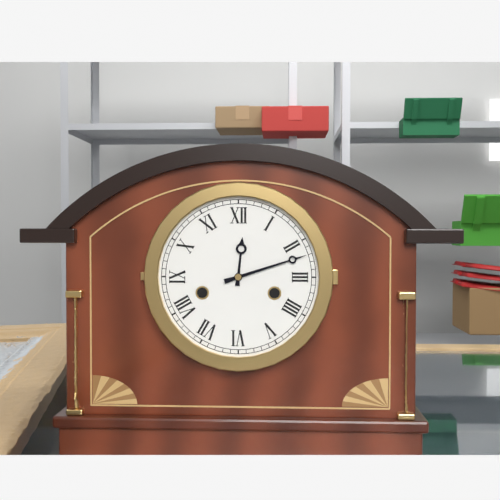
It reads 12:12
